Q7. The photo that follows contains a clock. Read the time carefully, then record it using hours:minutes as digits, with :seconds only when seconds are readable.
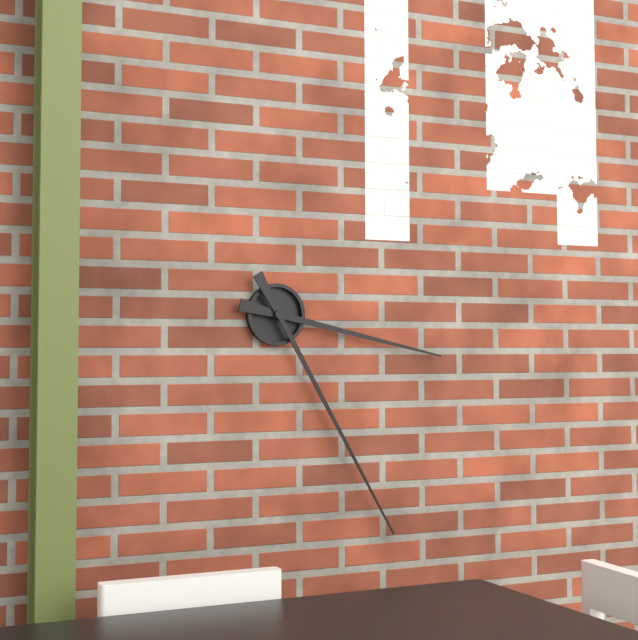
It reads 3:25
